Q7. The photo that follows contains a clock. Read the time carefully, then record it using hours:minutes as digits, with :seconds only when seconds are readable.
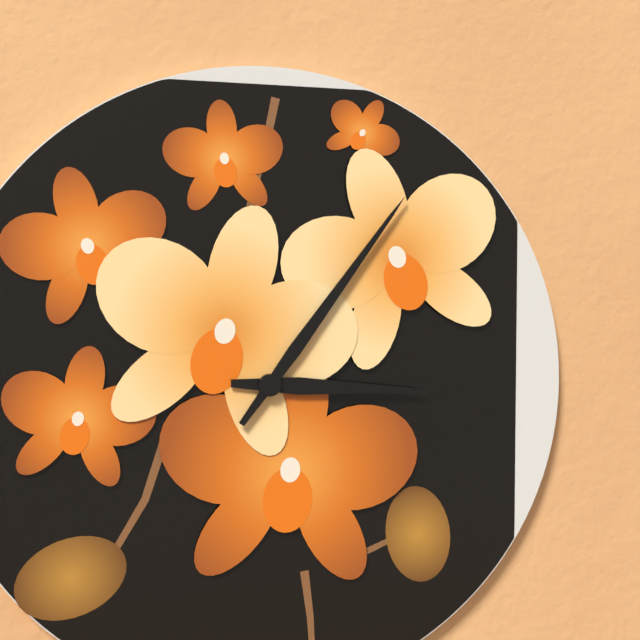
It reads 3:06
